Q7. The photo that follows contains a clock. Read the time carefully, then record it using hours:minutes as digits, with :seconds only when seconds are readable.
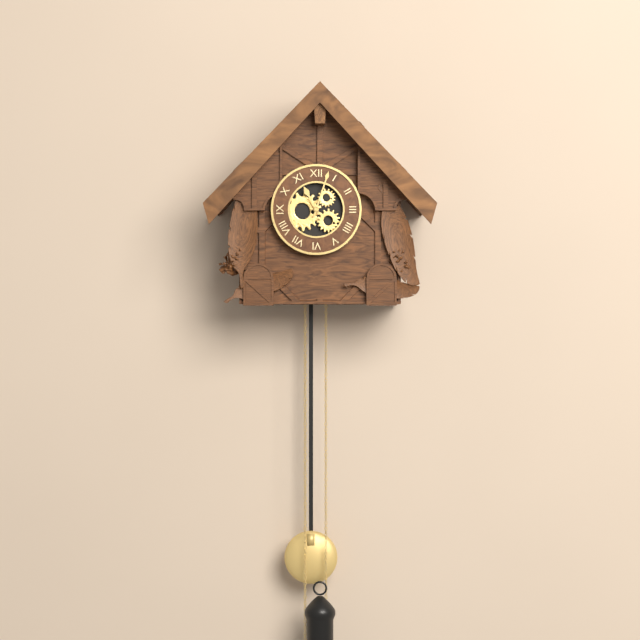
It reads 11:03
